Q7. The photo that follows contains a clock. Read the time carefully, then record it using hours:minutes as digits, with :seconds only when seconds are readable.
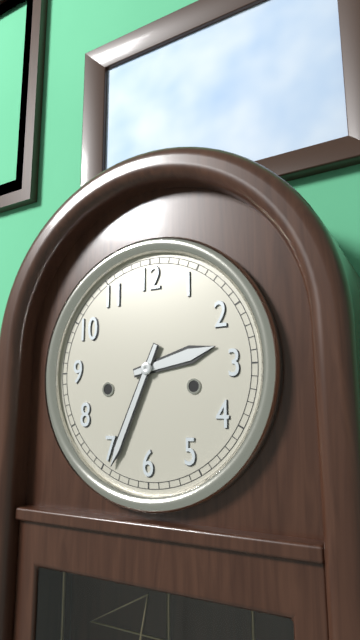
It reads 2:34
